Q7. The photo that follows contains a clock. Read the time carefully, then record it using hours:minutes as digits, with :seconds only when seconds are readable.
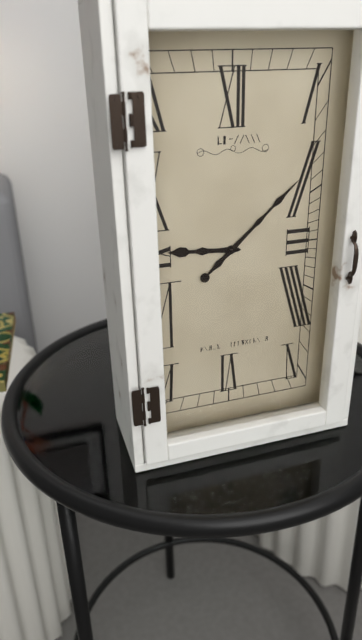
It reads 9:08
